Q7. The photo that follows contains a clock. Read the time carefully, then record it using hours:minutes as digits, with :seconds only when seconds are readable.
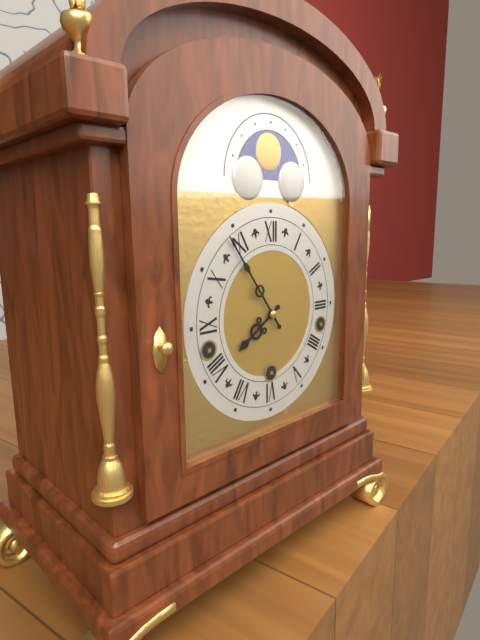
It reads 7:54
